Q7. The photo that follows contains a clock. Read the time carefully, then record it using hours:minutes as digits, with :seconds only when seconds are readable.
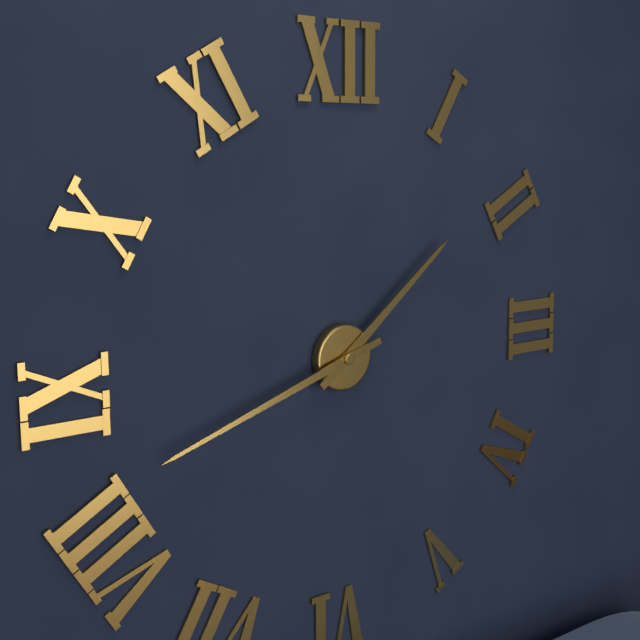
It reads 1:42
